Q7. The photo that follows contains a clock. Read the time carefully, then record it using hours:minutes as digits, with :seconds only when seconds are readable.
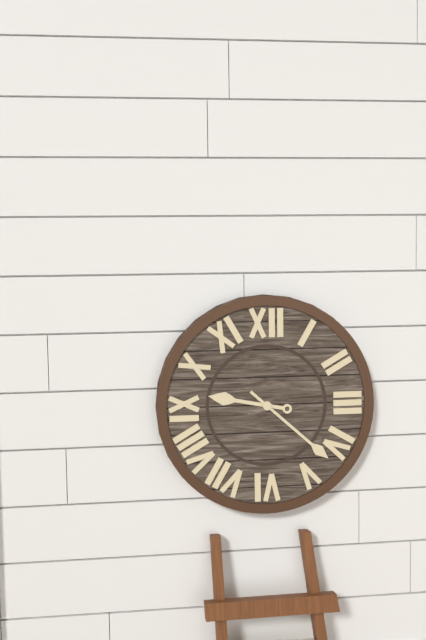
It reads 9:22
